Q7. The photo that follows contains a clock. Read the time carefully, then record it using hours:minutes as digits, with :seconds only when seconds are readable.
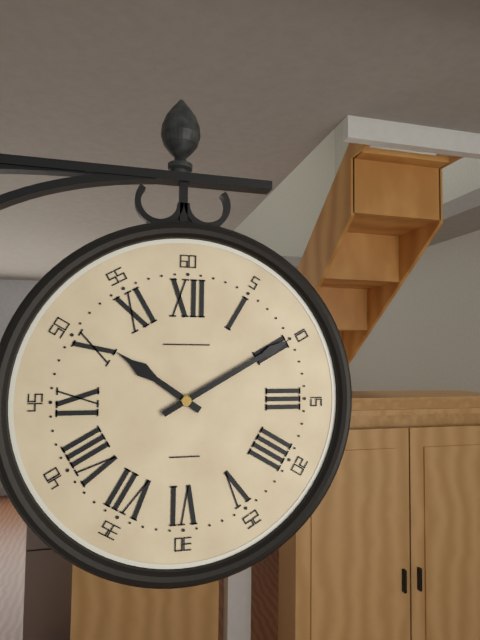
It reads 10:10
